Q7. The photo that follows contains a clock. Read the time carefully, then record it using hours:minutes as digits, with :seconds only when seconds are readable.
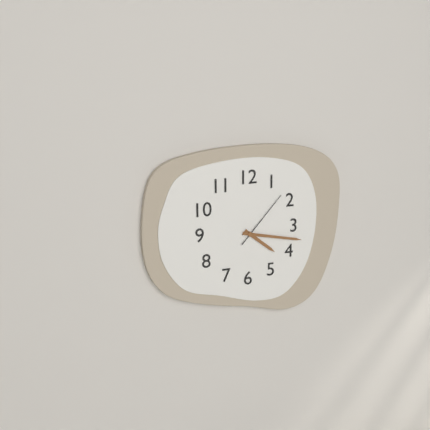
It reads 4:17:07
